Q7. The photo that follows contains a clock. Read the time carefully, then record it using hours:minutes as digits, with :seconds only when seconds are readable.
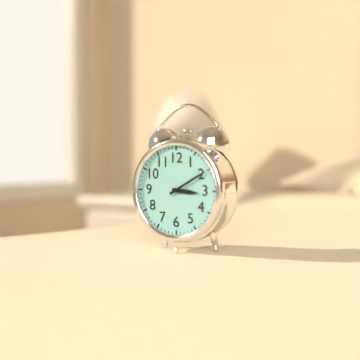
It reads 3:10
